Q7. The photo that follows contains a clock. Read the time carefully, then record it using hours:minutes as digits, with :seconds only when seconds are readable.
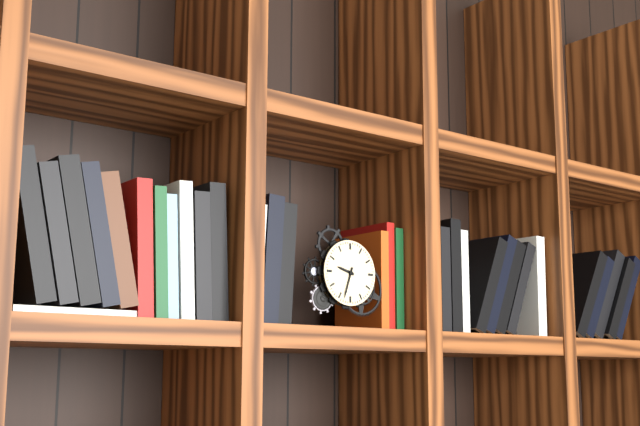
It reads 9:33
